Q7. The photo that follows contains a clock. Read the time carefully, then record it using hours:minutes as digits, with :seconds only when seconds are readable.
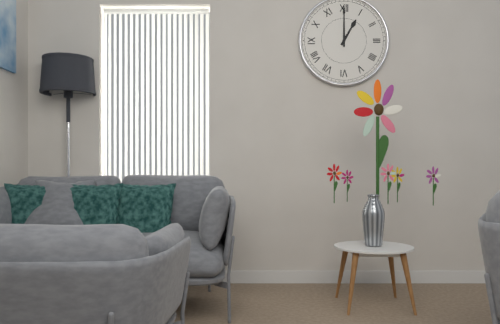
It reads 1:00
